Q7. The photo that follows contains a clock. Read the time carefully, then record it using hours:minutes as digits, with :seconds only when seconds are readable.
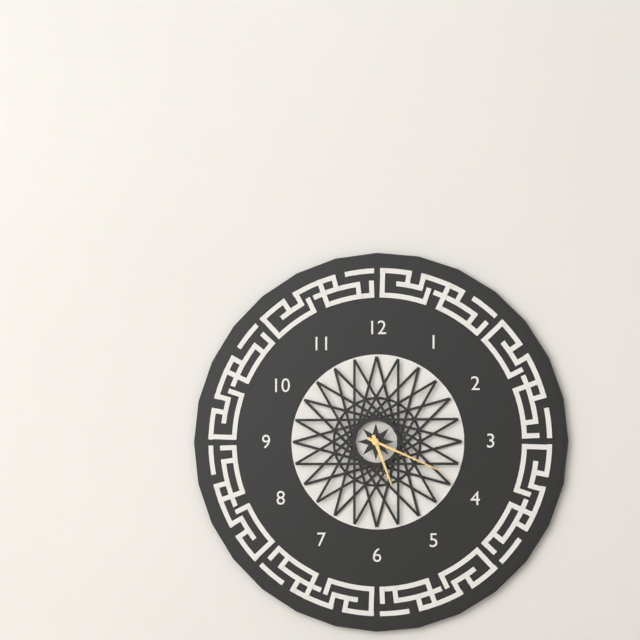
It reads 5:19
